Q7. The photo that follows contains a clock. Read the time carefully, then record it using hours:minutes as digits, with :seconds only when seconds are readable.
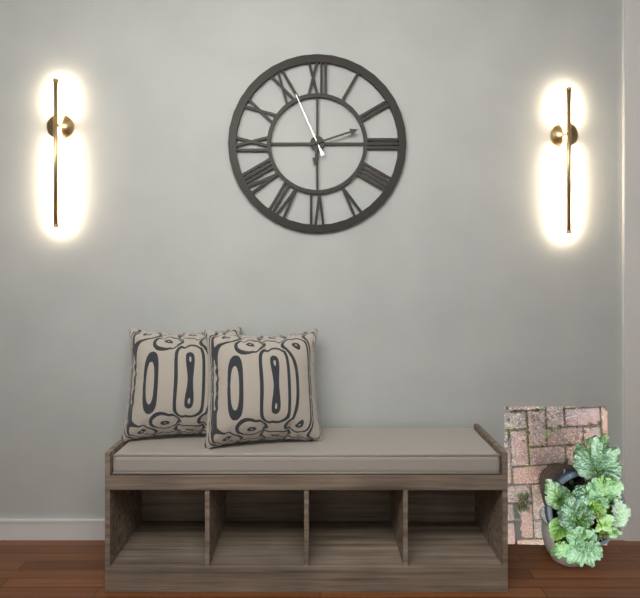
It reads 6:12:56
